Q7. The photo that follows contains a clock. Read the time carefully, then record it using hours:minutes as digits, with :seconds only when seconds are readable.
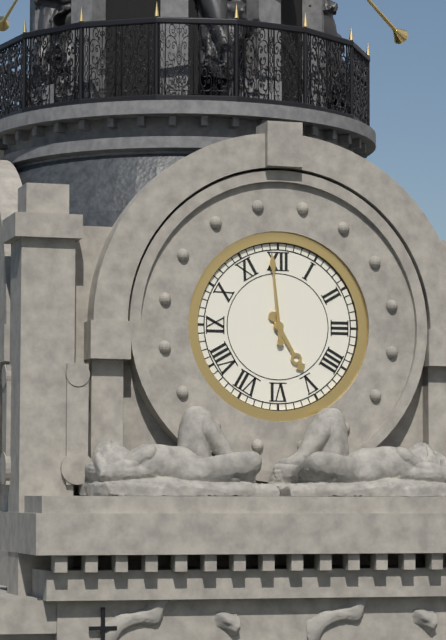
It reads 4:59
